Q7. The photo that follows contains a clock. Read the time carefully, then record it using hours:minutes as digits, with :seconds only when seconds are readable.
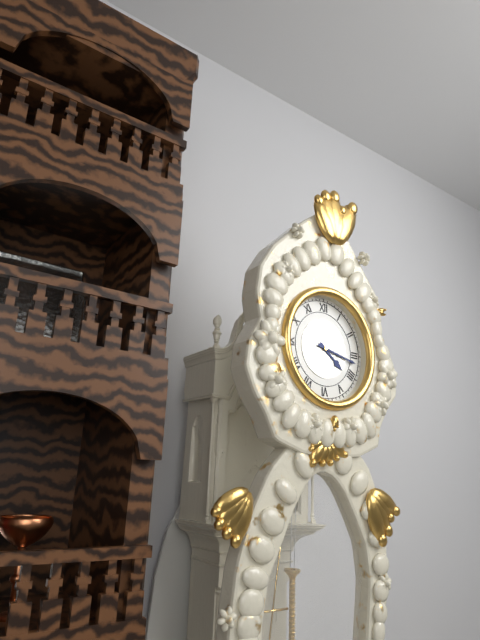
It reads 4:17
